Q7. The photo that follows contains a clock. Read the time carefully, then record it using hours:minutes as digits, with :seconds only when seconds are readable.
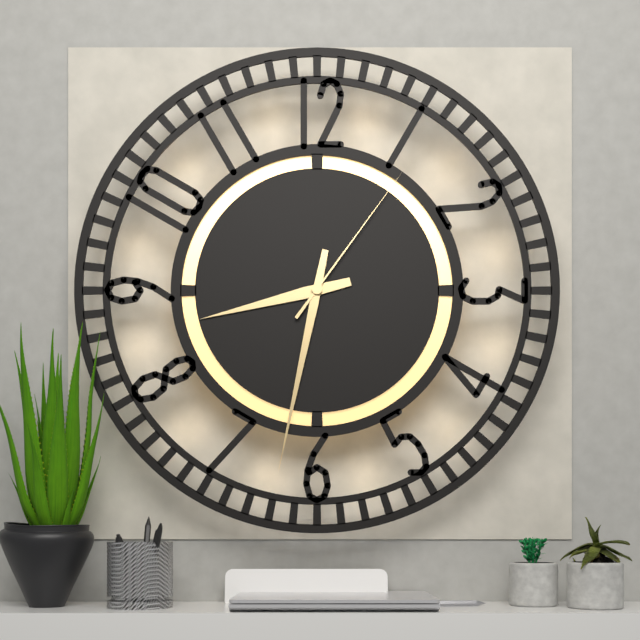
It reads 8:32:06
